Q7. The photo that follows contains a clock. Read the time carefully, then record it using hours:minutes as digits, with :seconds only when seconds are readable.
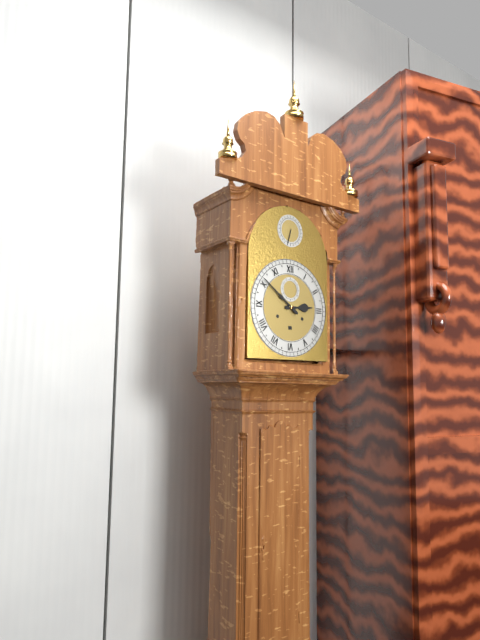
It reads 2:51
